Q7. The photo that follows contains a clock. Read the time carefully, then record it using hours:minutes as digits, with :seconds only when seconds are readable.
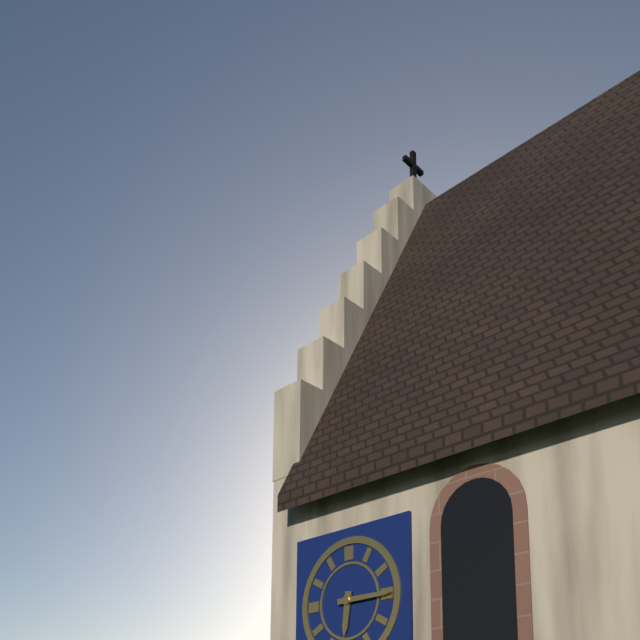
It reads 6:15
